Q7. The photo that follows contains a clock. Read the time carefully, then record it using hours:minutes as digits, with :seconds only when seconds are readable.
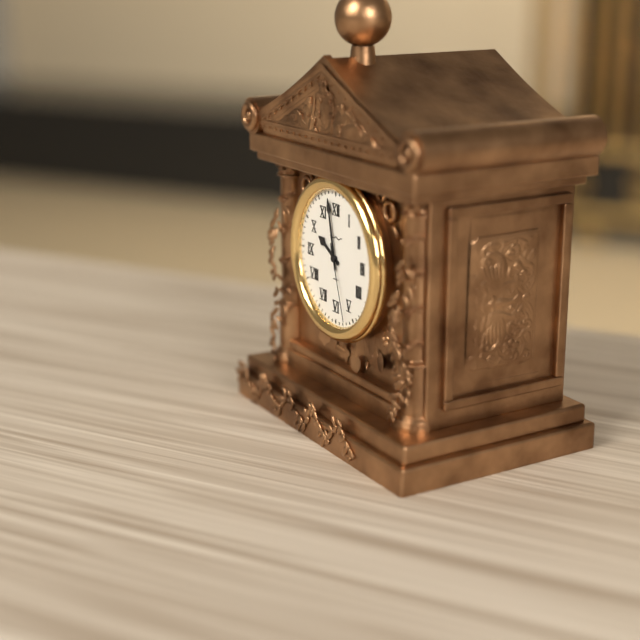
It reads 9:58:27
